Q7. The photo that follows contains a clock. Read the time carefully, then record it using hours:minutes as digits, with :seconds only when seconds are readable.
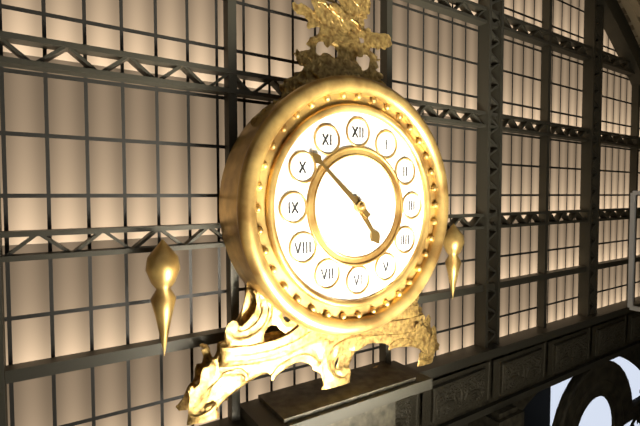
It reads 4:52
